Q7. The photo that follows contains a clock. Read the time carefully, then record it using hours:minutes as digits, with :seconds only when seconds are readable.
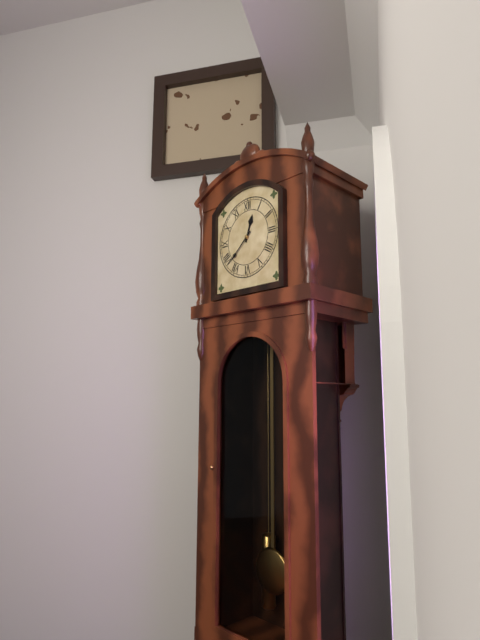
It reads 12:38
